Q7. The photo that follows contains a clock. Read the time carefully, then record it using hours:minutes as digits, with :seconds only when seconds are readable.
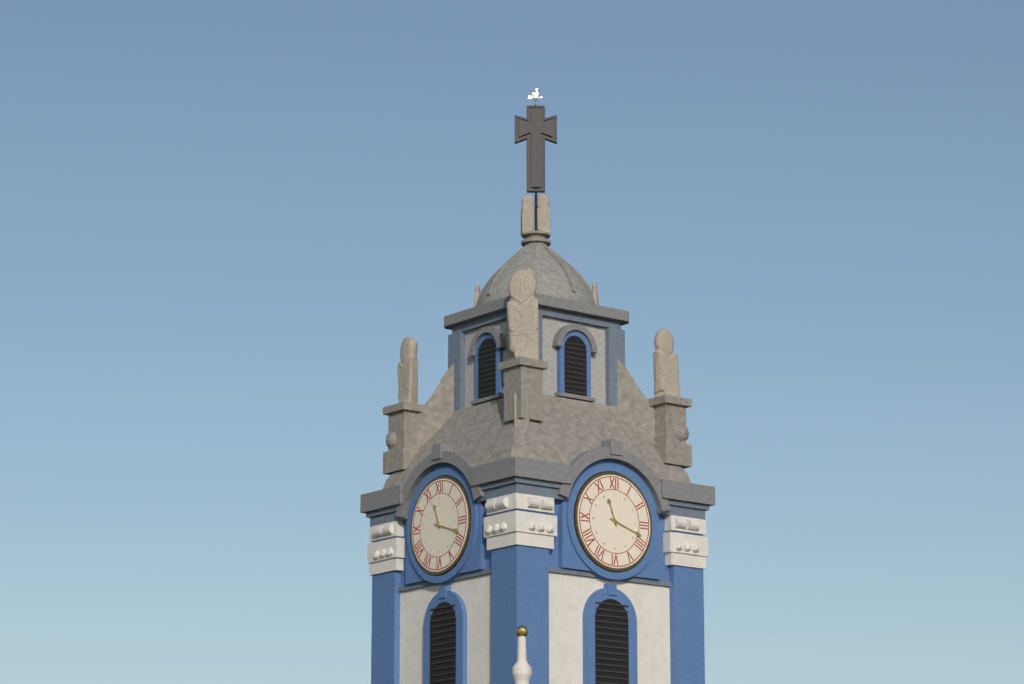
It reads 11:18
